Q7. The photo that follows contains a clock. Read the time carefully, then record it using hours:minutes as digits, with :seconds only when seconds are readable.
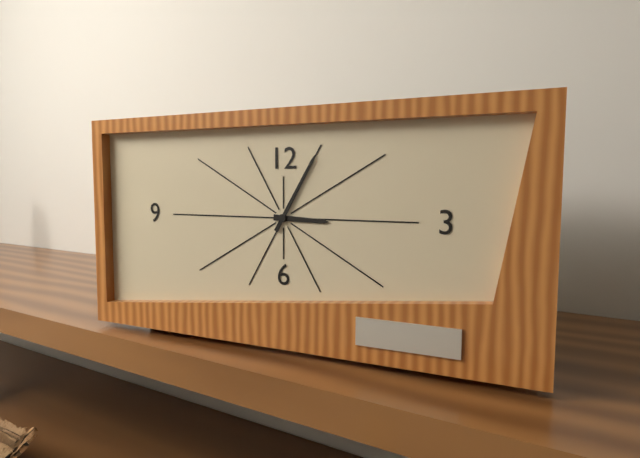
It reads 3:05
